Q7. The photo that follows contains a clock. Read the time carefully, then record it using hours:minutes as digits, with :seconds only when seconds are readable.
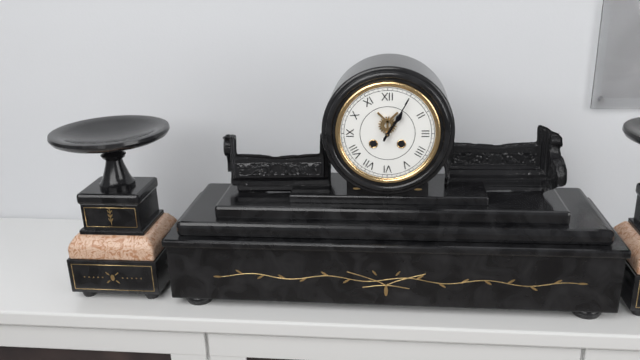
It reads 1:05
